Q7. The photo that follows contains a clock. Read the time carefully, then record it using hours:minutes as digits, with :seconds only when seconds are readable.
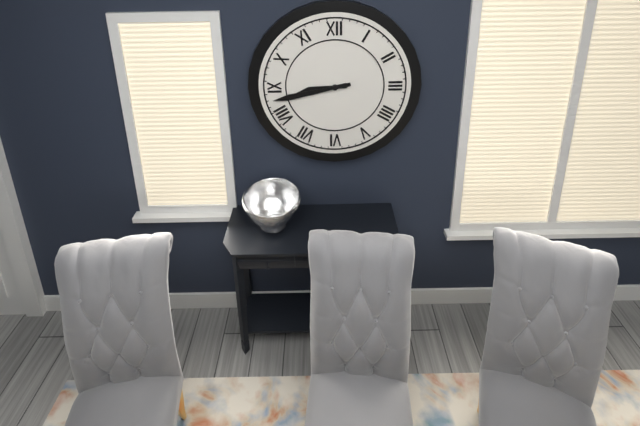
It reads 8:43
